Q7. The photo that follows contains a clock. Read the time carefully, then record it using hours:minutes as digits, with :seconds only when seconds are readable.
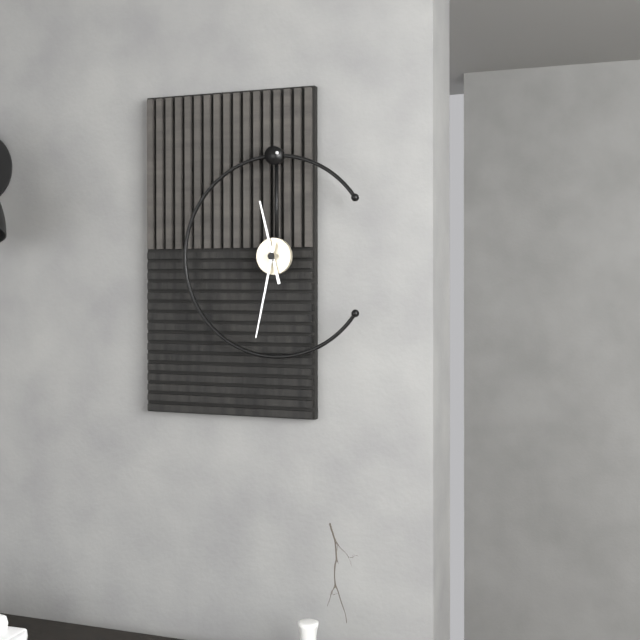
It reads 11:32
